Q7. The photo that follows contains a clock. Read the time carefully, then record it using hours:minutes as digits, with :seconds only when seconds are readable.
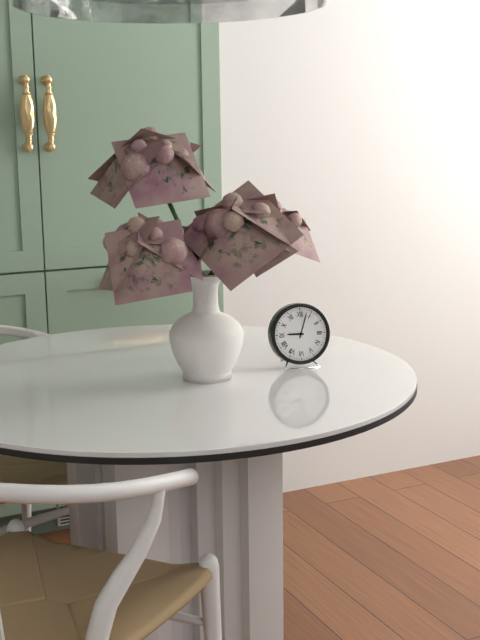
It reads 9:03
